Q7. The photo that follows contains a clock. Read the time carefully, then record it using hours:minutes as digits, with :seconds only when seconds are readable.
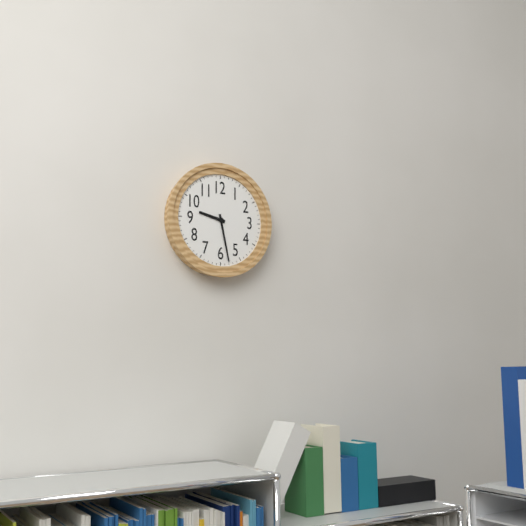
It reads 9:28
